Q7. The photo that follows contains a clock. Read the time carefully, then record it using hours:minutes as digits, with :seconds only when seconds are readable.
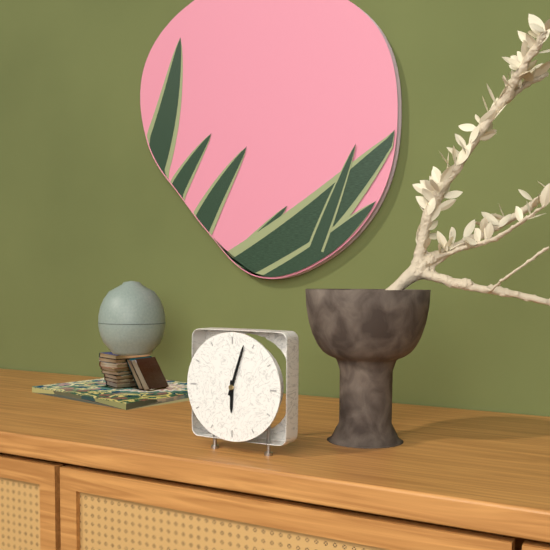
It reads 6:03
